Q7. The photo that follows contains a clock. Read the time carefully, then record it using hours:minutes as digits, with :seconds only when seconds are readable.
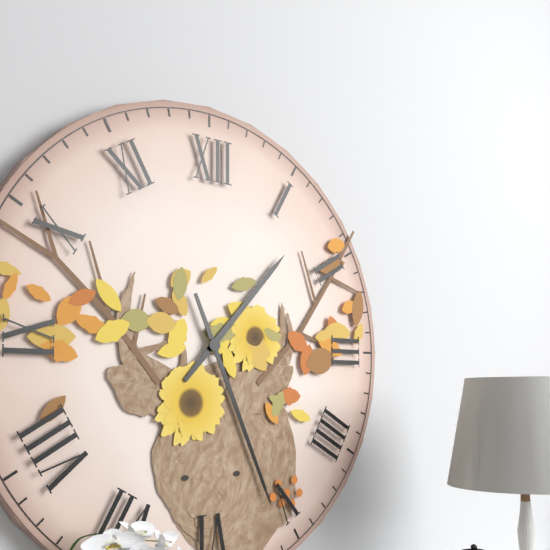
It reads 1:26
